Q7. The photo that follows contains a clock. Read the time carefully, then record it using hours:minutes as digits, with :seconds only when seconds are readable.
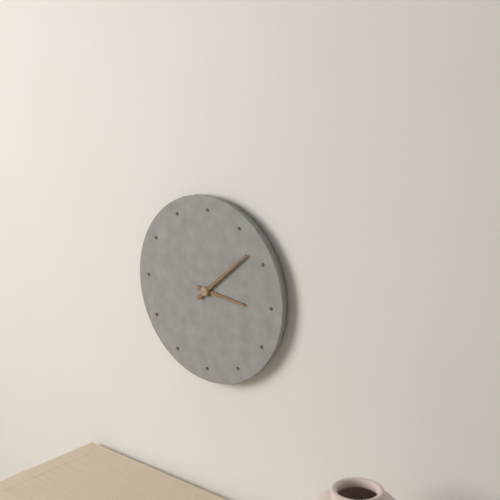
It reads 3:08
